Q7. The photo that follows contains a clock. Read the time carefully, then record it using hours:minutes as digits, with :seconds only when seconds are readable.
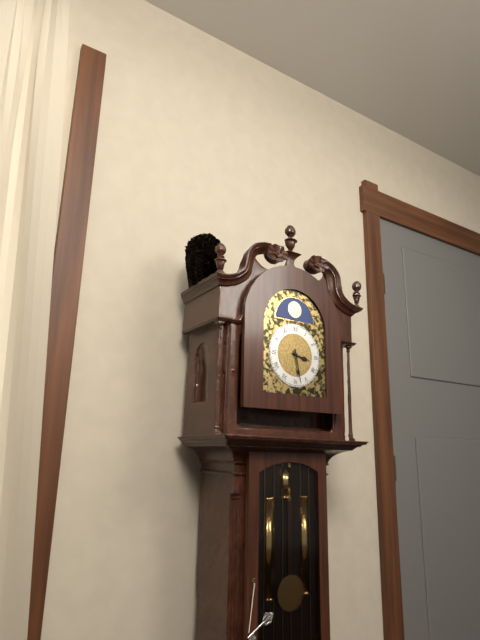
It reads 3:28
